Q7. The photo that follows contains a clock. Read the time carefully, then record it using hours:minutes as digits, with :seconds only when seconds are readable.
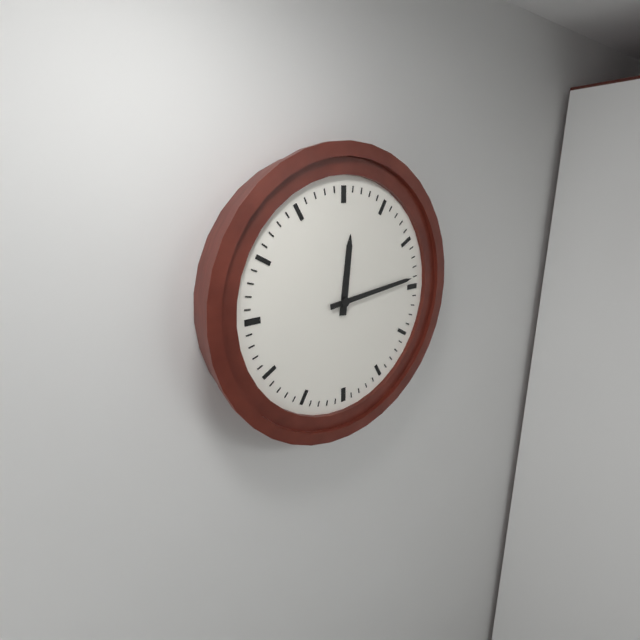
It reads 12:14
